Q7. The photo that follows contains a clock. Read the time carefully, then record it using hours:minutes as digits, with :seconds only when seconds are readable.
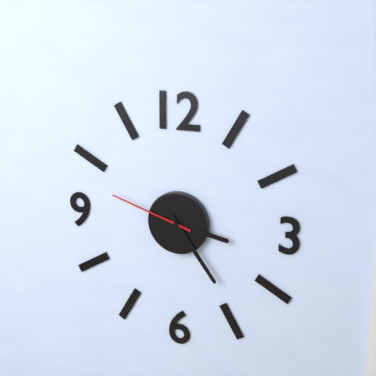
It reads 3:24:48
